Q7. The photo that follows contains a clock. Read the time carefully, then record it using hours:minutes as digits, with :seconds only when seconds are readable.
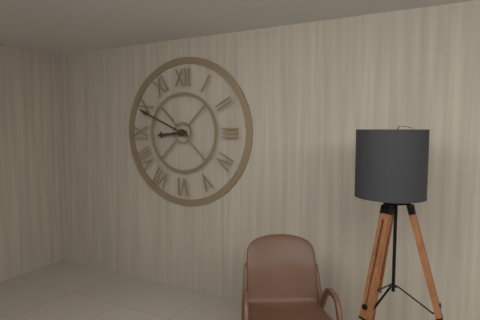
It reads 8:49
